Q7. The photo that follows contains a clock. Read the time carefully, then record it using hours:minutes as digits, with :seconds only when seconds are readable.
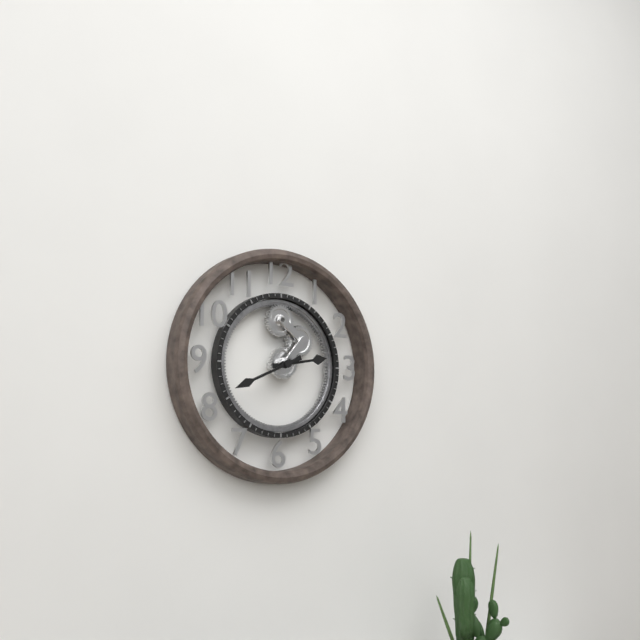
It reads 2:41
